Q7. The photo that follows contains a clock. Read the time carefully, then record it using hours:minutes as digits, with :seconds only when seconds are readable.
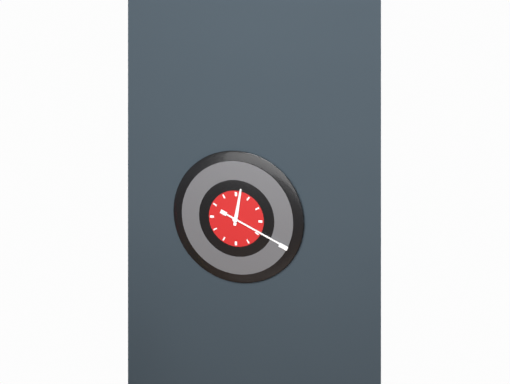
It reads 12:19
